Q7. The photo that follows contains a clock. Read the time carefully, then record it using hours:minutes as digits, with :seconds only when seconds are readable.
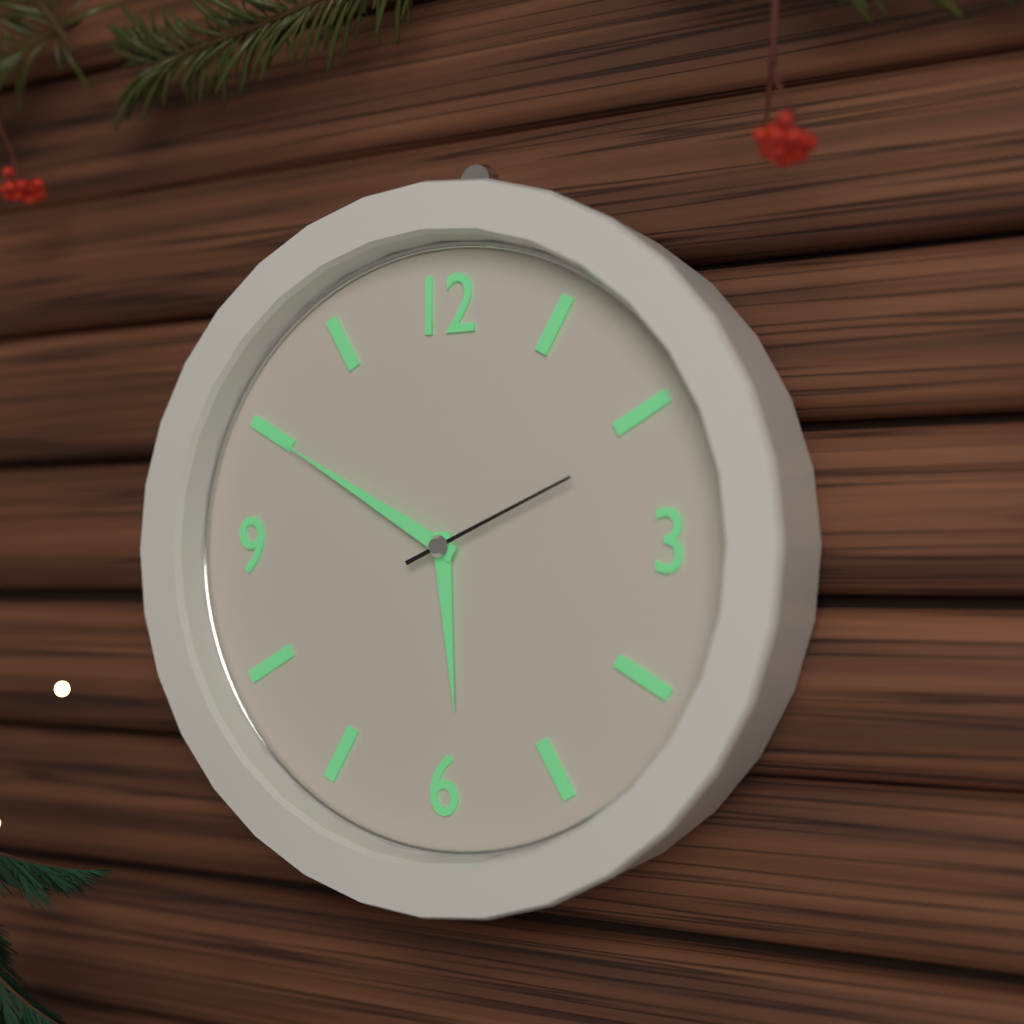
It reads 5:50:11
